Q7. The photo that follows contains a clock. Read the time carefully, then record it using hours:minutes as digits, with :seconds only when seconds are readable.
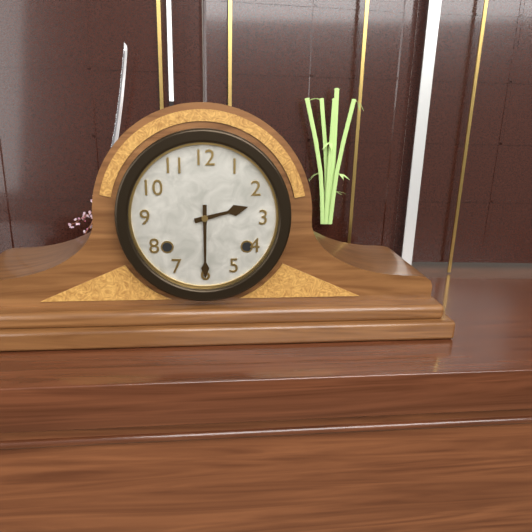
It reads 2:30
